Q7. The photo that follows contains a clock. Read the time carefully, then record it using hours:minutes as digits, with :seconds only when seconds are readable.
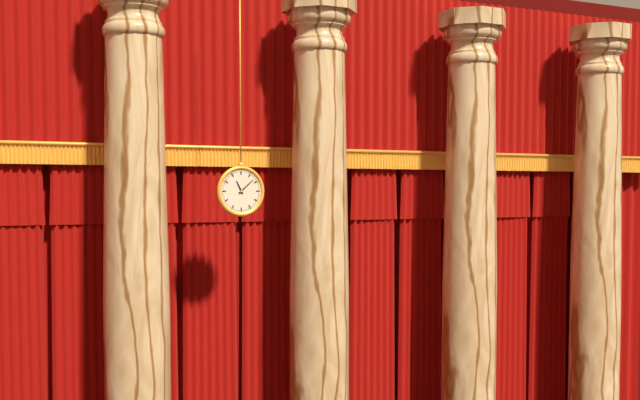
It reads 11:08
